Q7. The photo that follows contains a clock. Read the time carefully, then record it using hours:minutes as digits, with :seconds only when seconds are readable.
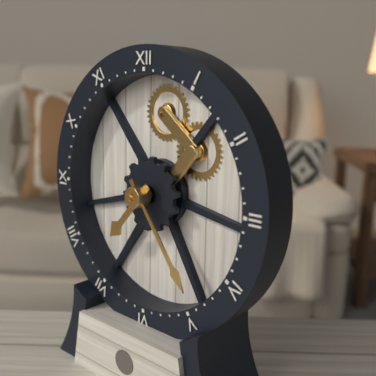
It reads 7:24
